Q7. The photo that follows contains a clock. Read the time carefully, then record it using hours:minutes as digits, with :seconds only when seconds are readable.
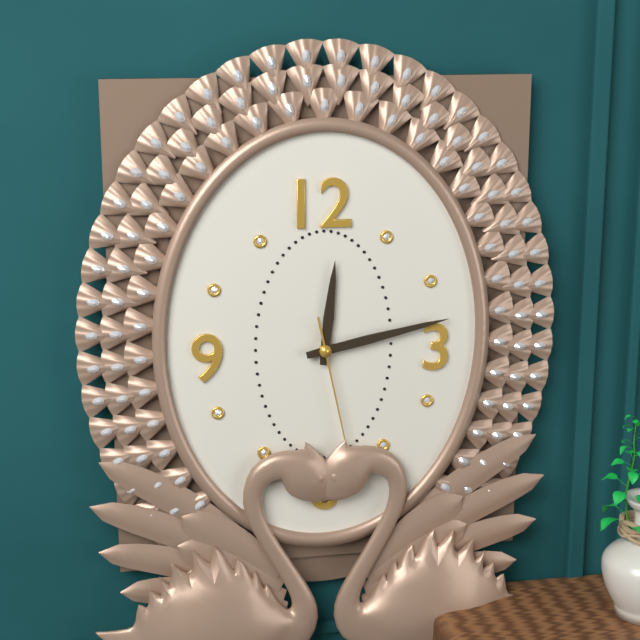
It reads 12:13
